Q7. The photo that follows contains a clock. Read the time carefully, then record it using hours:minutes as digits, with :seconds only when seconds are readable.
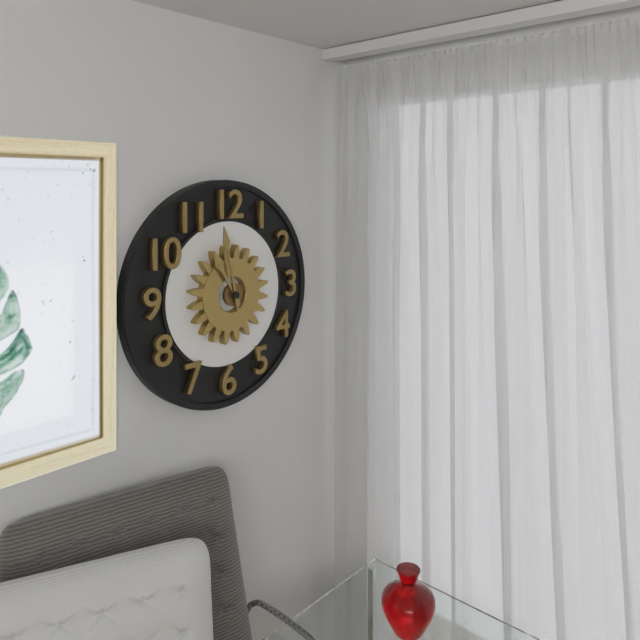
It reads 10:58
